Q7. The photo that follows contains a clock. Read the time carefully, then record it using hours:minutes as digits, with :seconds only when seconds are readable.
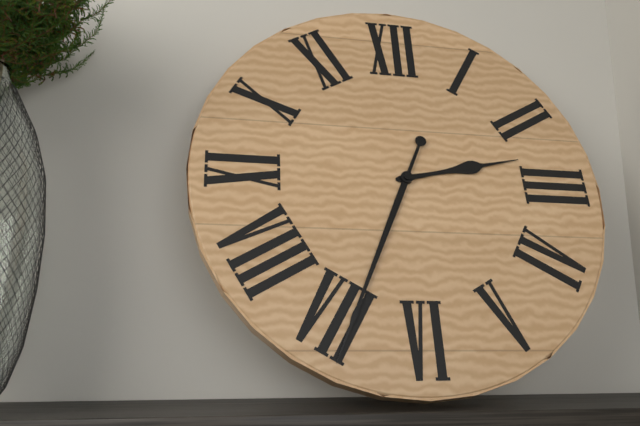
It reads 2:34
